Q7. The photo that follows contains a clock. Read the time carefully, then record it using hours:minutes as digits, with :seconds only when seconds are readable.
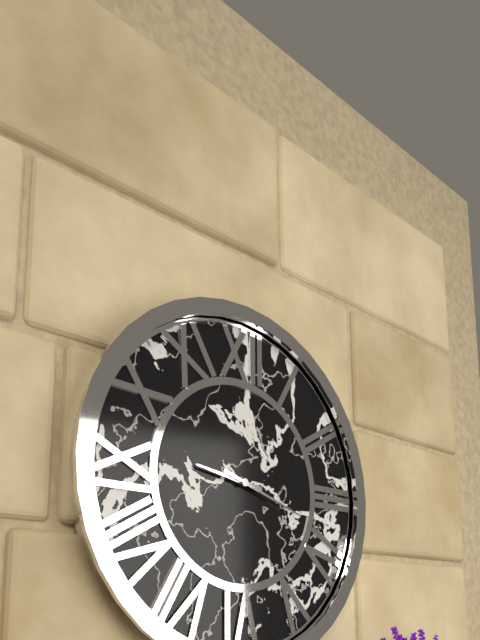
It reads 9:18
